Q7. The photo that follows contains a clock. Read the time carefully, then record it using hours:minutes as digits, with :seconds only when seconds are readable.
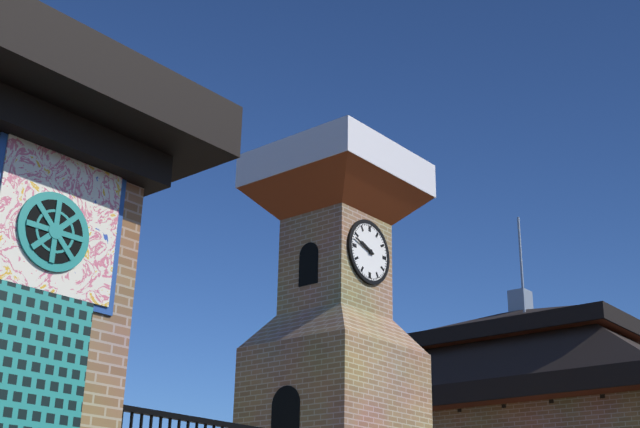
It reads 9:48
